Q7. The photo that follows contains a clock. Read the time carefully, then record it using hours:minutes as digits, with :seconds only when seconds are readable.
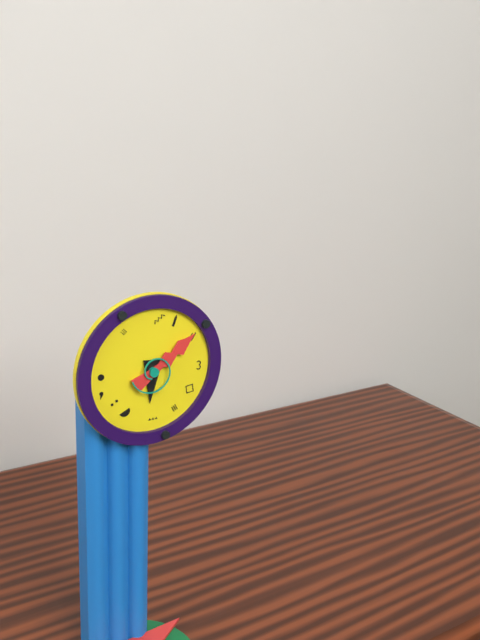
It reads 6:09
